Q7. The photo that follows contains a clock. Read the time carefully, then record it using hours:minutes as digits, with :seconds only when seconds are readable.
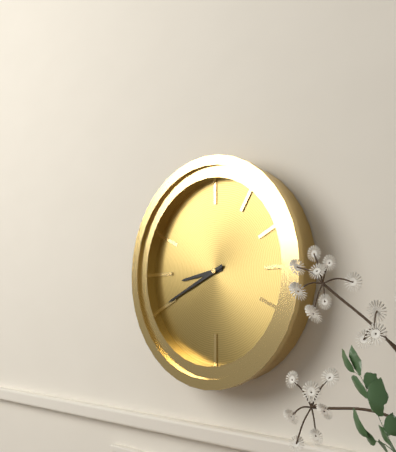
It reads 8:41
